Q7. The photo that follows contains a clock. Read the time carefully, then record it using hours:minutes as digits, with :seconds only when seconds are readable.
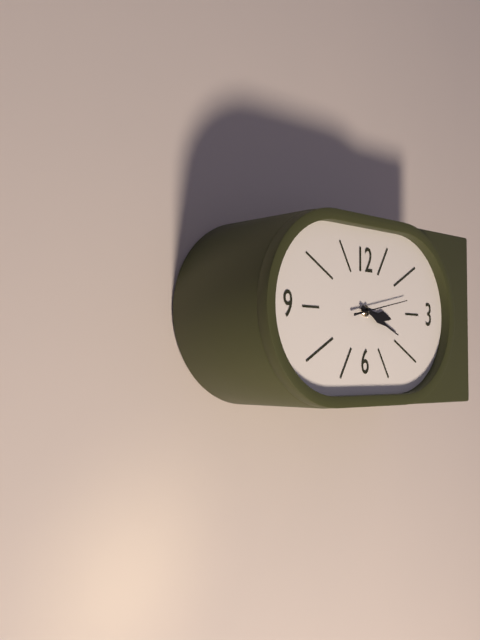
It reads 3:19:13
